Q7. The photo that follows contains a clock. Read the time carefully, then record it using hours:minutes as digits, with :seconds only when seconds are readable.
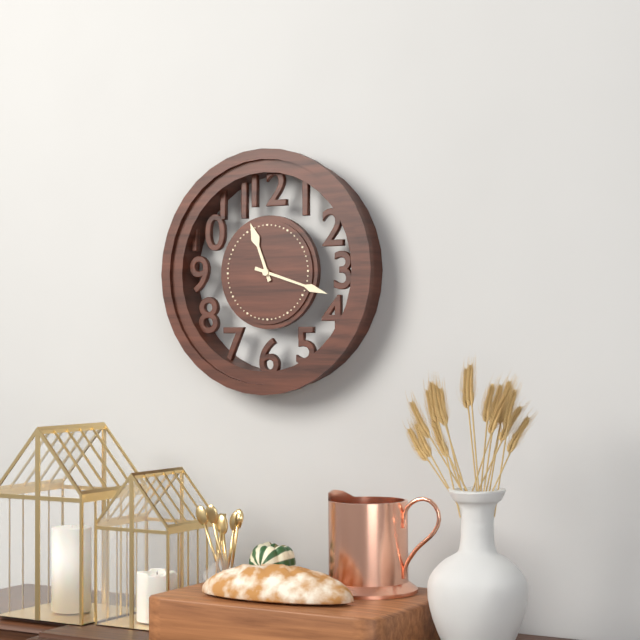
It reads 11:18
